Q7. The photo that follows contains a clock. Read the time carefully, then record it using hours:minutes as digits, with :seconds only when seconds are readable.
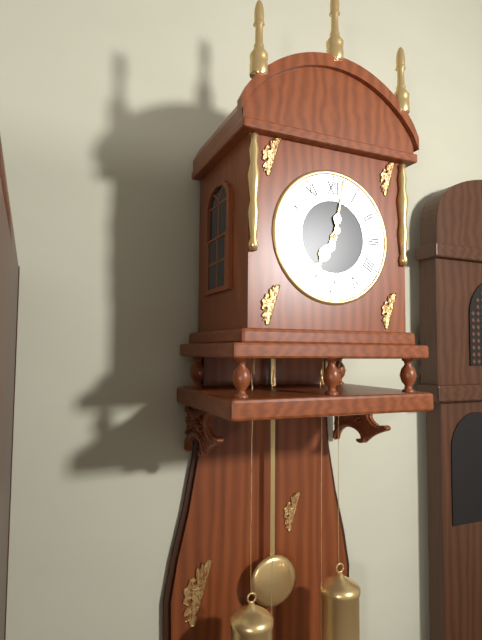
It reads 7:02
